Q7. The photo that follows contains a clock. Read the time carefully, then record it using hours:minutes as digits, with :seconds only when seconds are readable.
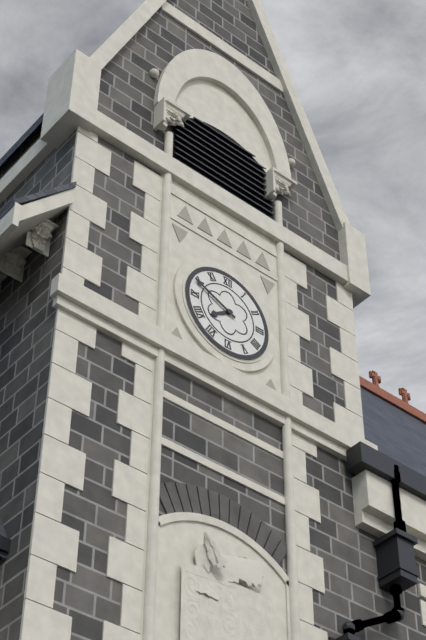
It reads 7:49
